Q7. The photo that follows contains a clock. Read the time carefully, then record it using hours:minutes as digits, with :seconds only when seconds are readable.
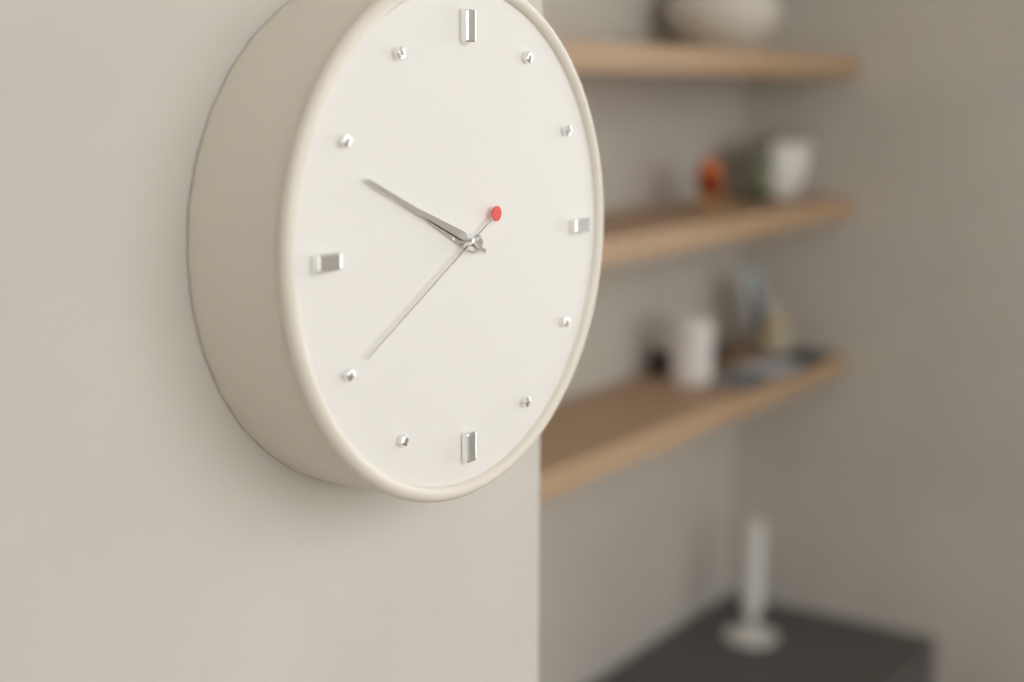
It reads 9:49:40
